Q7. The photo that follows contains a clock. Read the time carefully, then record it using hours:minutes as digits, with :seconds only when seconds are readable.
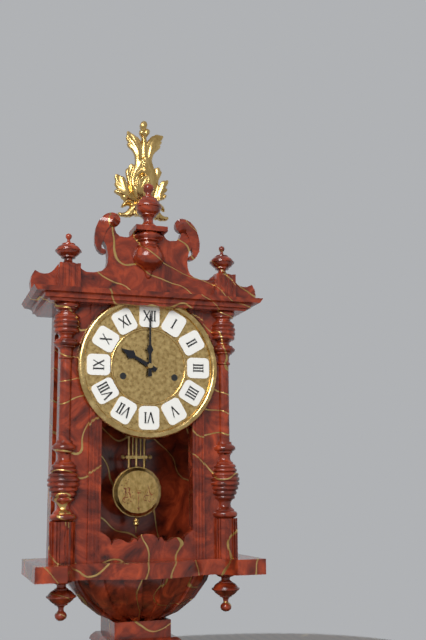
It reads 10:00
